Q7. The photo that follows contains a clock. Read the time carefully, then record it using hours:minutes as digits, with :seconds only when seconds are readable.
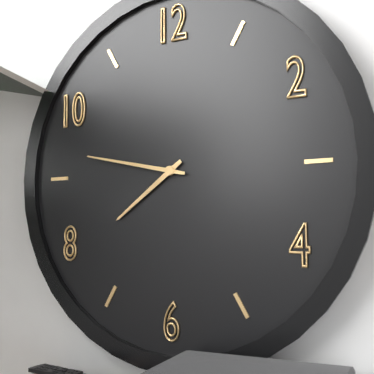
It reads 7:47
